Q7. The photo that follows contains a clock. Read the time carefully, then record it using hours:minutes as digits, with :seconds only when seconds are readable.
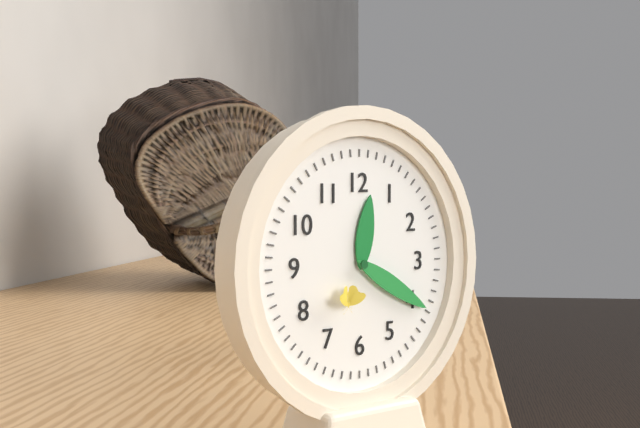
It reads 12:20
